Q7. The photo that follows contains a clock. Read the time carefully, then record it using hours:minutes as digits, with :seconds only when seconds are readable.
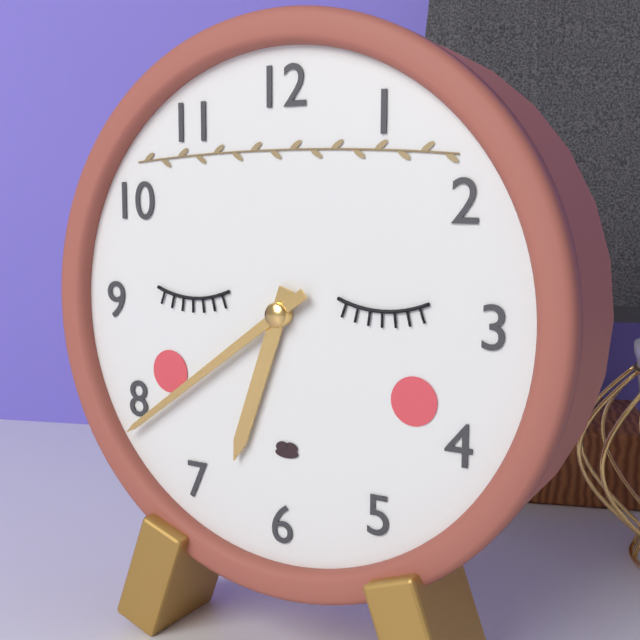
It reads 6:39
